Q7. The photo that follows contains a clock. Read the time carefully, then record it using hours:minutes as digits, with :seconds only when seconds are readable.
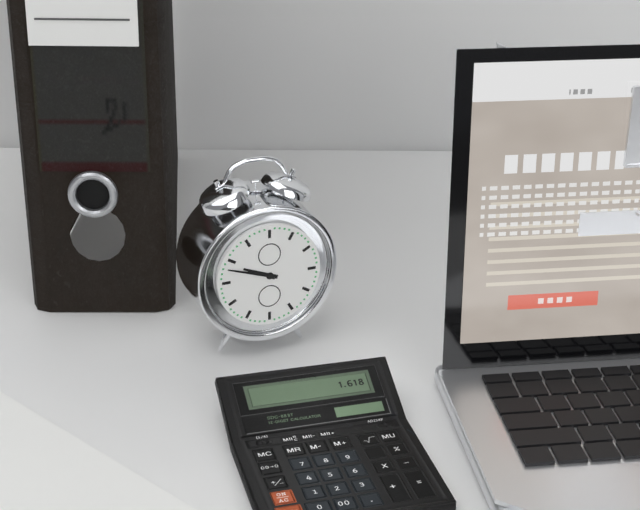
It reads 9:48
